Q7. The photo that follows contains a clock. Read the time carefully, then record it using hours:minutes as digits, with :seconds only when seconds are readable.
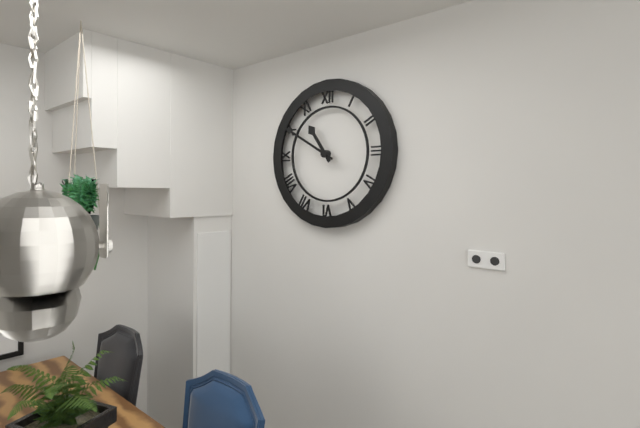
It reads 10:50
